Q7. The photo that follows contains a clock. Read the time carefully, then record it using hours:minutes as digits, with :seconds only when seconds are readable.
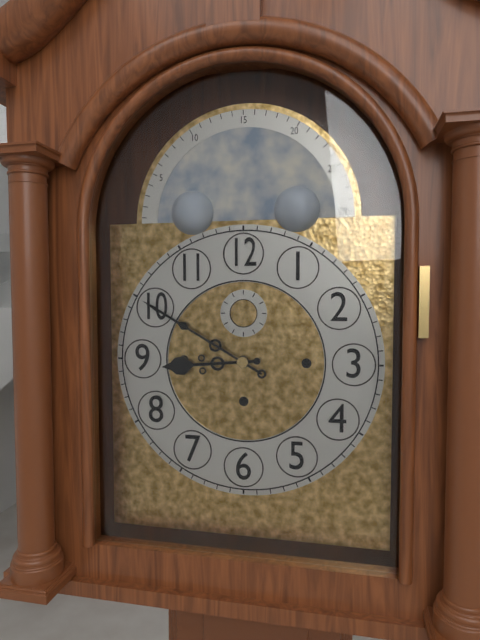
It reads 8:50
